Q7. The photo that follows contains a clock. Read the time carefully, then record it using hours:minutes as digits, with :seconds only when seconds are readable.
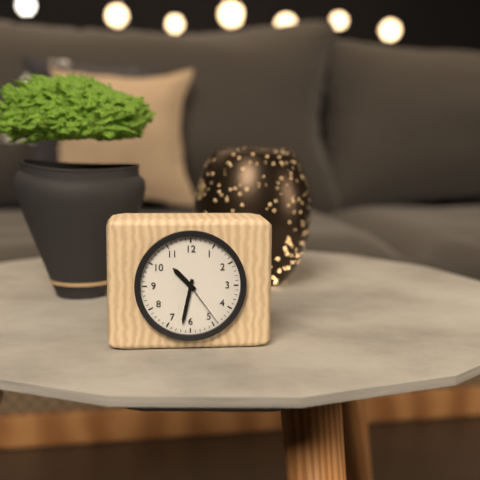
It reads 10:32:24
